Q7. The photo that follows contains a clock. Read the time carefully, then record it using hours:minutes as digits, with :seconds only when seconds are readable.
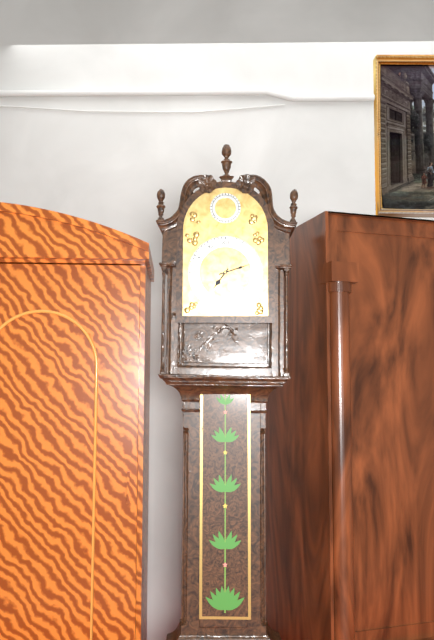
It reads 7:12
